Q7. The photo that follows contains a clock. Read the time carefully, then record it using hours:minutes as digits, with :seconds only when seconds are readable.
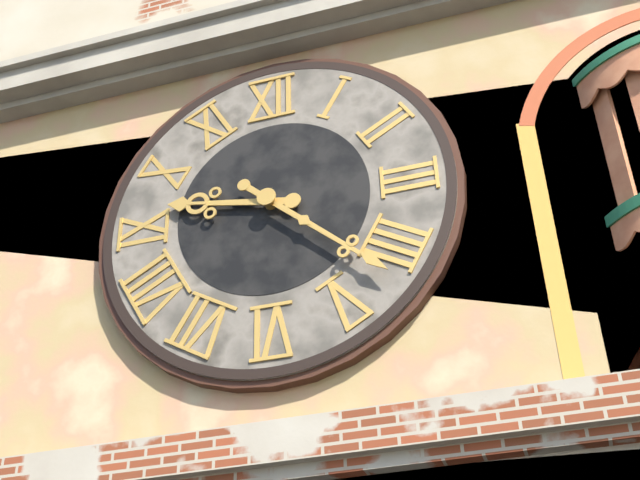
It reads 9:22
